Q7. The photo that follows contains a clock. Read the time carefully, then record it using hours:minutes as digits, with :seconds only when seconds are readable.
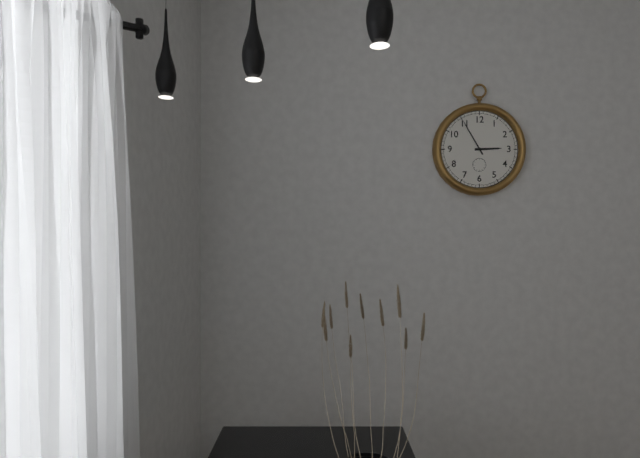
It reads 2:55
